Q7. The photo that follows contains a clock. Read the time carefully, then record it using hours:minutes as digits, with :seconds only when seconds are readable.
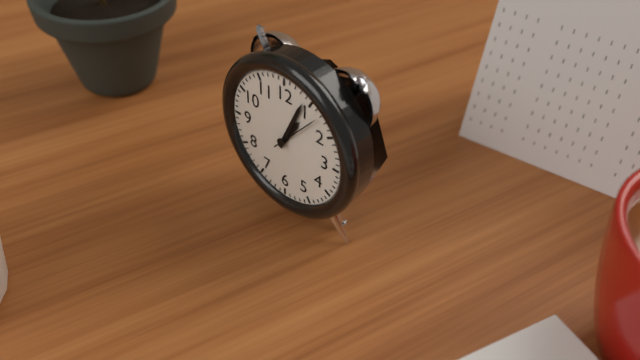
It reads 1:04
